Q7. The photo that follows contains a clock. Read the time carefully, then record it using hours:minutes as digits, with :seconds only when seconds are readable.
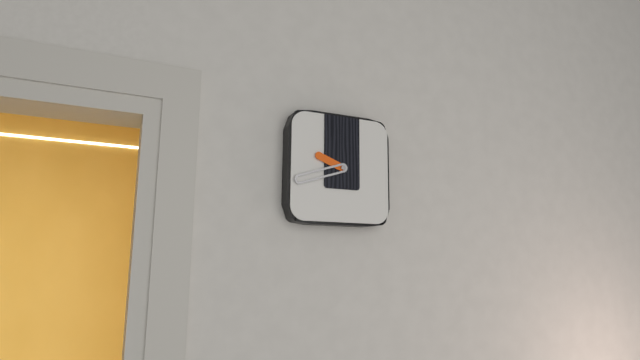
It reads 9:42
